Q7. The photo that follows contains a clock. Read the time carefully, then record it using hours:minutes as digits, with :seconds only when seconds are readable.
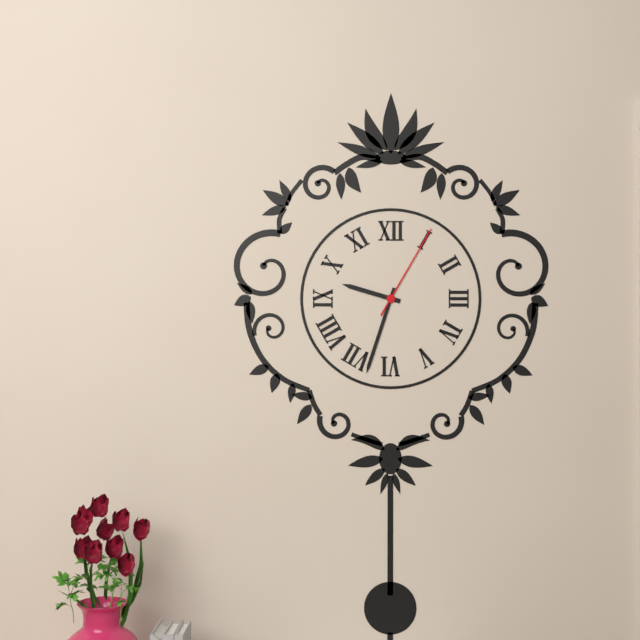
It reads 9:33:05
